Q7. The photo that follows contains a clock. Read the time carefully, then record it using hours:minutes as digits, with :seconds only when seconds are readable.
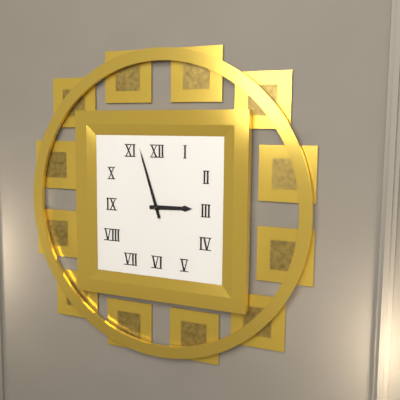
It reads 2:57
